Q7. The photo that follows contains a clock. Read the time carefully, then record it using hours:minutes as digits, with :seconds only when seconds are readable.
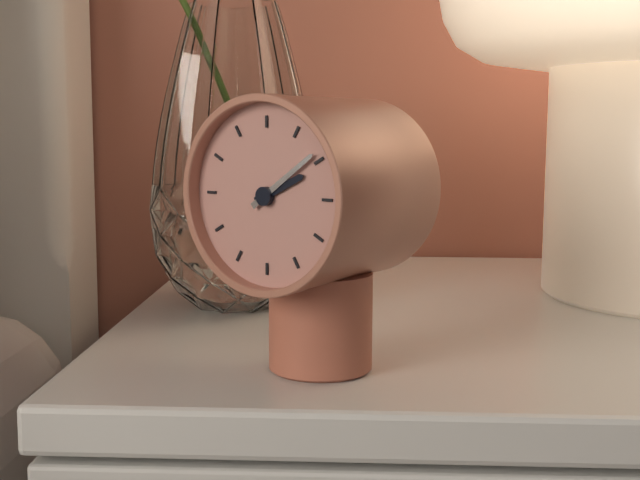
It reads 2:09
